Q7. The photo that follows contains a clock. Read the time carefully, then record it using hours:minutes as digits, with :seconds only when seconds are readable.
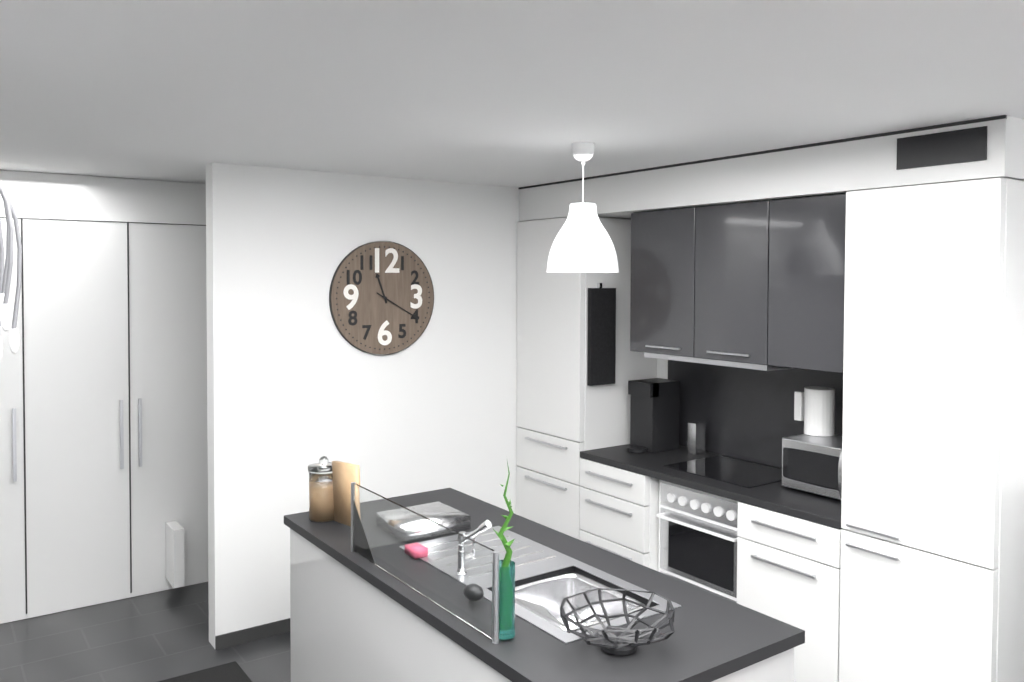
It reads 11:20
